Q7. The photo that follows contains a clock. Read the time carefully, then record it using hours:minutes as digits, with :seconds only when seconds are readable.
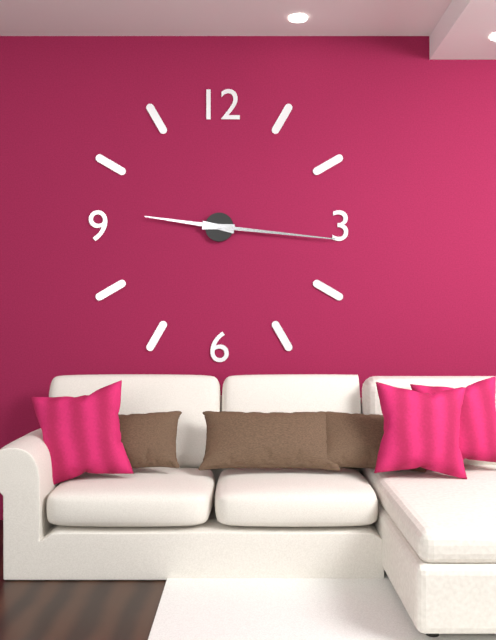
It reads 9:16
